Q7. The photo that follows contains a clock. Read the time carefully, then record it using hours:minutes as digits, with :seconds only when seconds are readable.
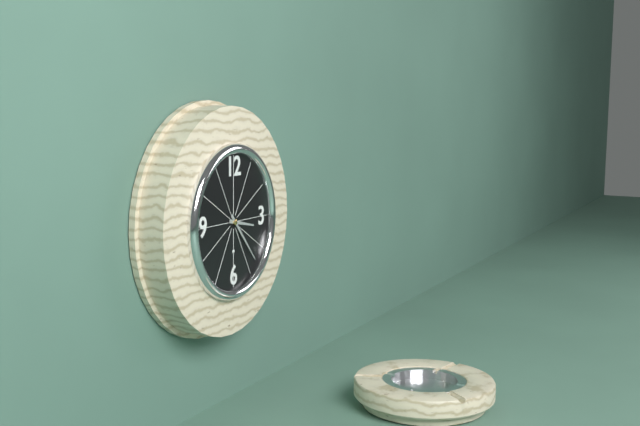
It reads 3:23
